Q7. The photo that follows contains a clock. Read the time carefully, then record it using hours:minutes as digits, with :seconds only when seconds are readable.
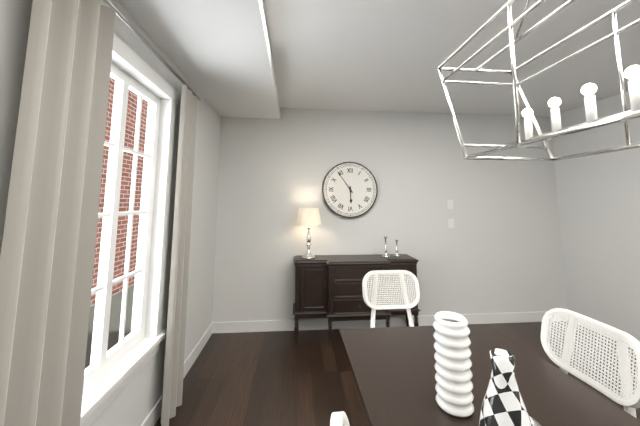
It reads 5:54
